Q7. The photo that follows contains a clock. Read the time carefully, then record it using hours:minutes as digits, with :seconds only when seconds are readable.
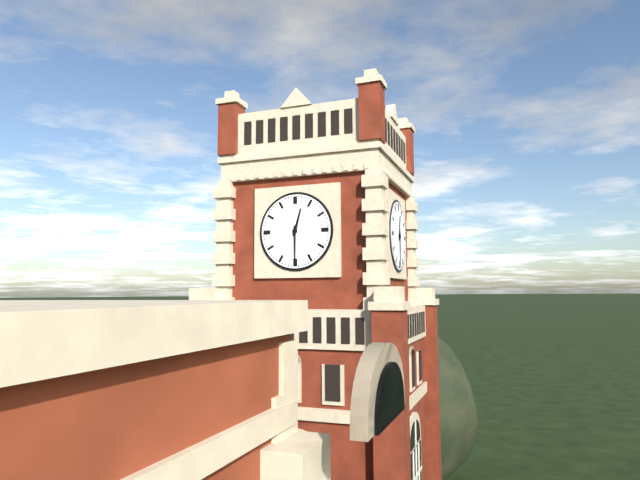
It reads 12:30
